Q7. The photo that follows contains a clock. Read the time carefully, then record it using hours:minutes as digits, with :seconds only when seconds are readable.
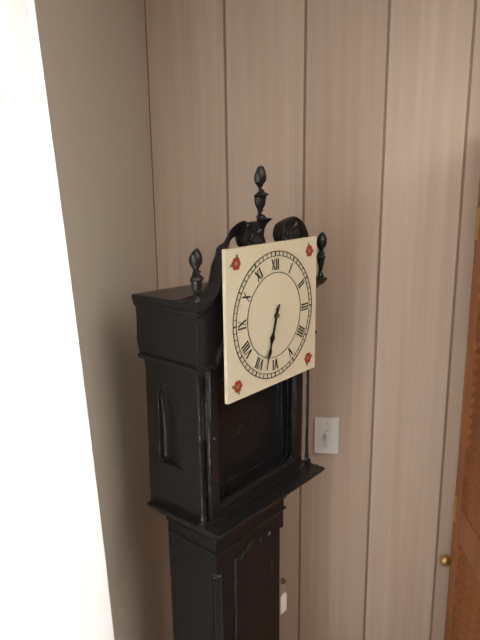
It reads 6:33
